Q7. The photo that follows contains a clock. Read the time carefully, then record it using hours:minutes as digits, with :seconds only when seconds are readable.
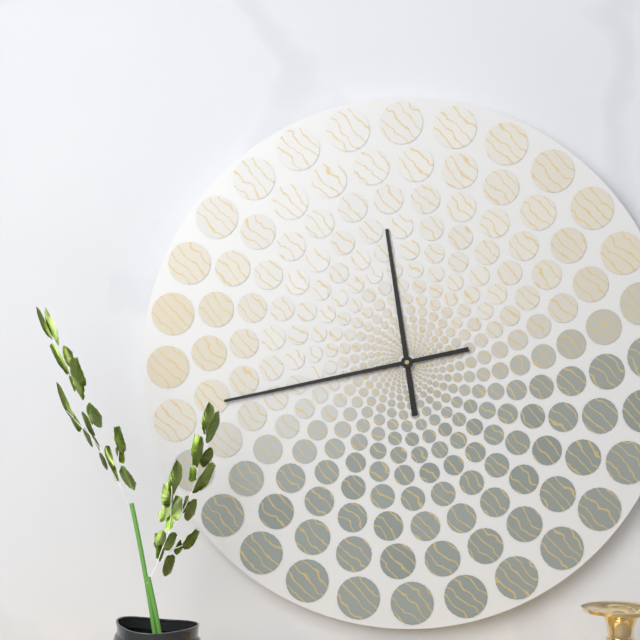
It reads 11:43
